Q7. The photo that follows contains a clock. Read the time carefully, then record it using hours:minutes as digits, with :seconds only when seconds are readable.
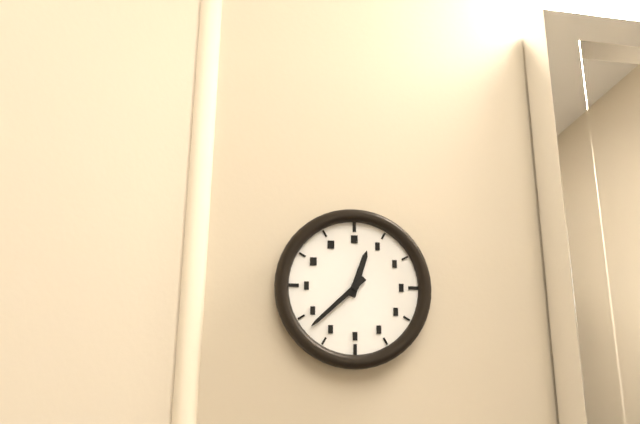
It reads 12:38
